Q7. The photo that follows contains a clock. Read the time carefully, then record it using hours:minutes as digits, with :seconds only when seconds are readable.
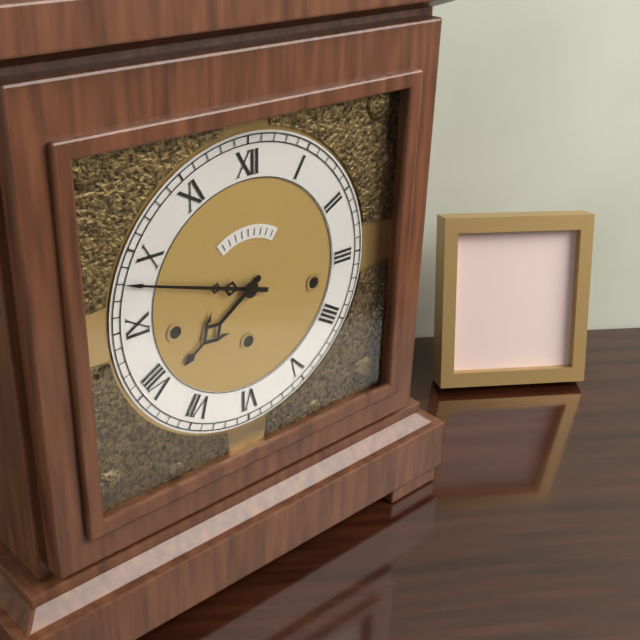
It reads 7:48
